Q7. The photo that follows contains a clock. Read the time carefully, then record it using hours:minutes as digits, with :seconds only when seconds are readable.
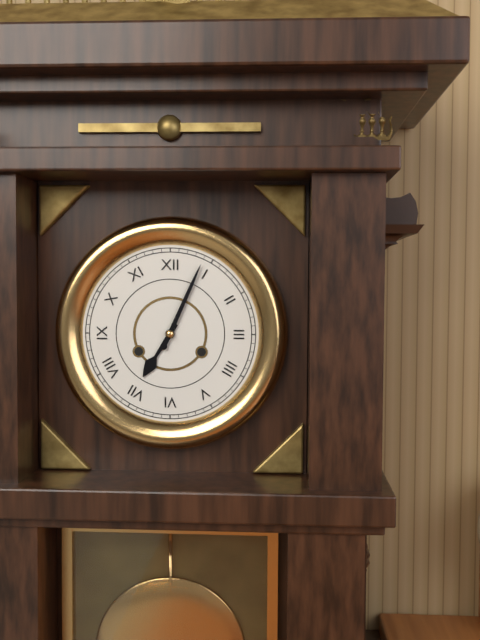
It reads 7:04
